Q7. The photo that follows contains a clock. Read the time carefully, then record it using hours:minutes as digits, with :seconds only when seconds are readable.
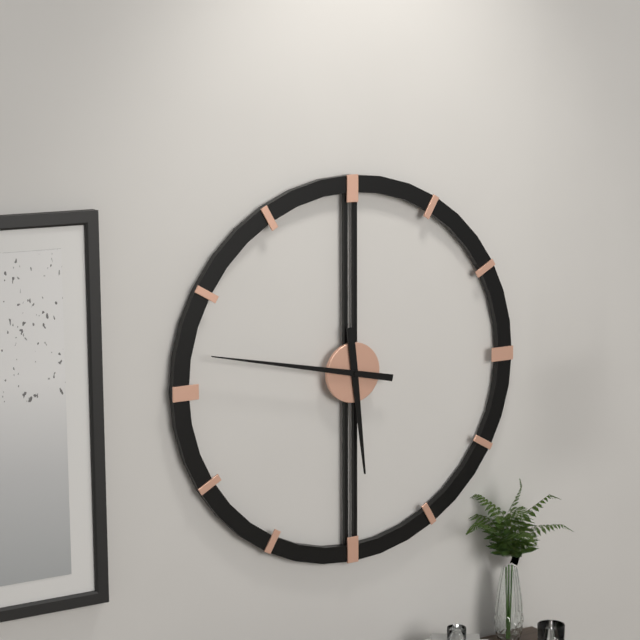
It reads 5:47
